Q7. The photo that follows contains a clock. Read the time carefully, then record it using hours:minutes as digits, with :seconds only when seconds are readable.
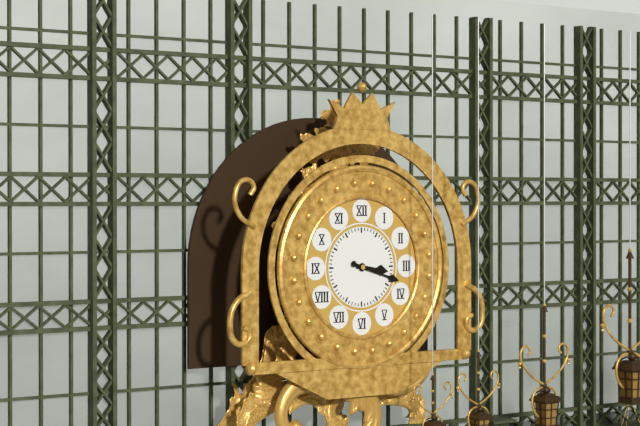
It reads 3:18
